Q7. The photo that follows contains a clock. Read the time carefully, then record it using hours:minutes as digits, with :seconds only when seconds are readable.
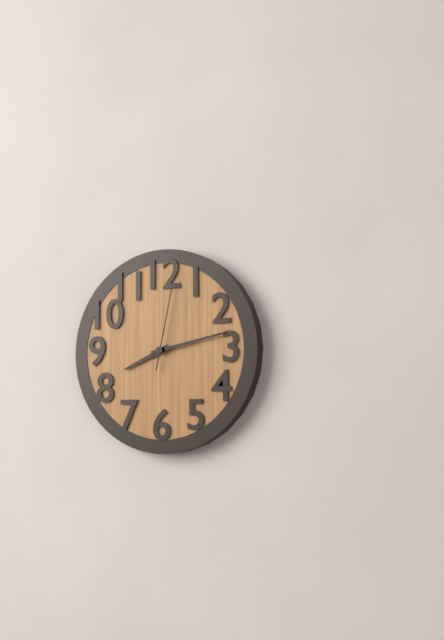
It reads 8:13:02
